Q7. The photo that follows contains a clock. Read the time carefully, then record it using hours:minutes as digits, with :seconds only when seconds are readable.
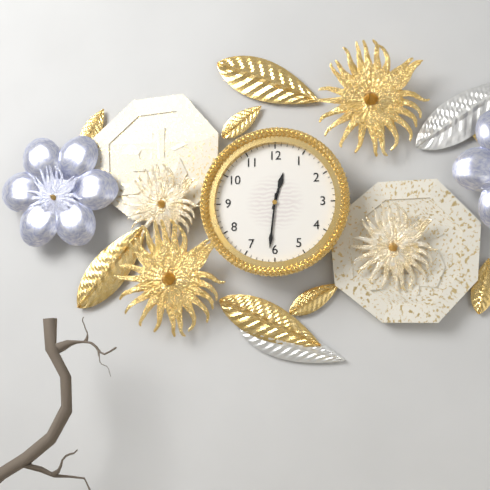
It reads 12:31
